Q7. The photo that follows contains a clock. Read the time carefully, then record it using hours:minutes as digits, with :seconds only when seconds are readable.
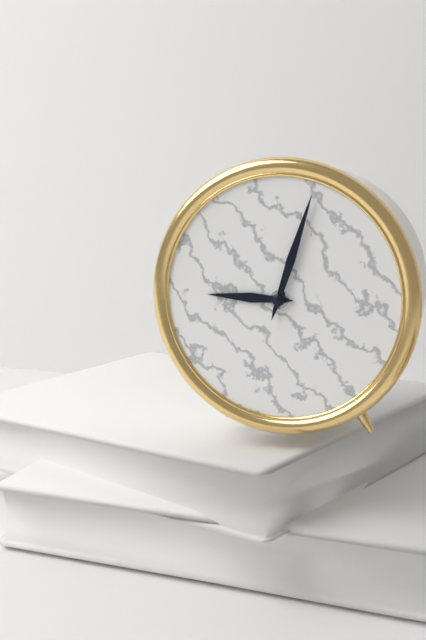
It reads 9:03
